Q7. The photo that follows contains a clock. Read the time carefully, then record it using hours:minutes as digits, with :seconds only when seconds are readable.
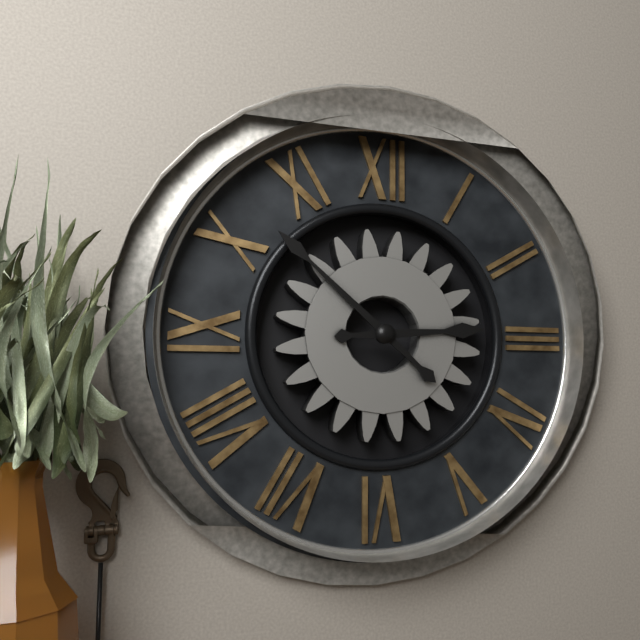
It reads 2:52
